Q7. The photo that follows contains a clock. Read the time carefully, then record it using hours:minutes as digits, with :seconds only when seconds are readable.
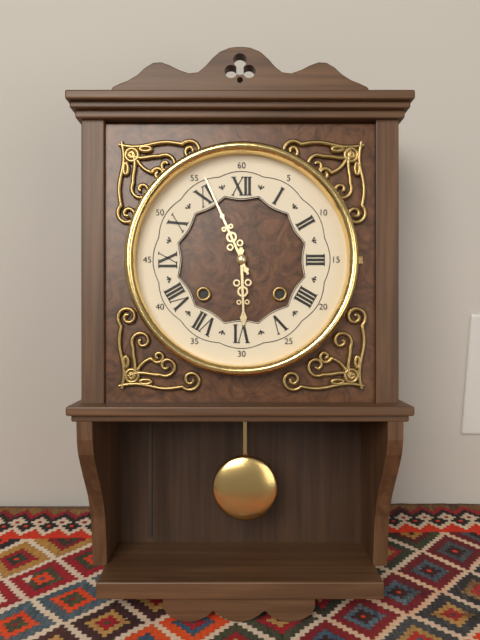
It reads 5:56
